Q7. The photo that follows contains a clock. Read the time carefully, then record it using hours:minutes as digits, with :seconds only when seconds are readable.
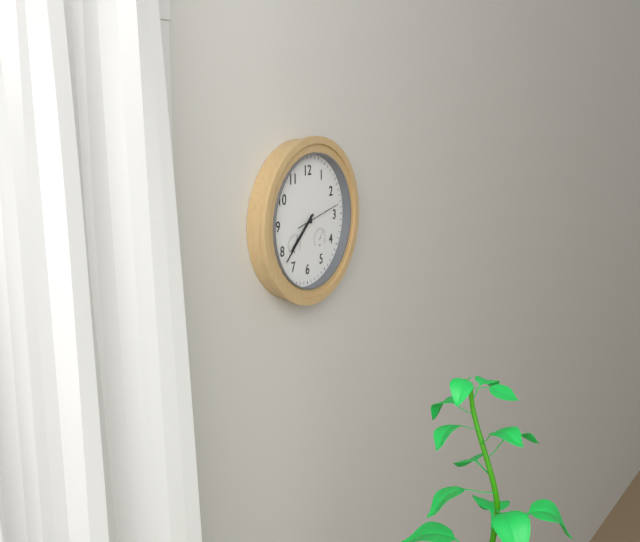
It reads 7:38
